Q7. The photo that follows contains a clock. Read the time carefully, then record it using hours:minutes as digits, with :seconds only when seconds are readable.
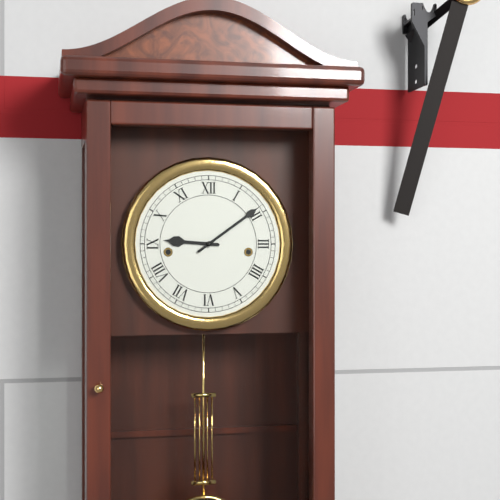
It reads 9:09
